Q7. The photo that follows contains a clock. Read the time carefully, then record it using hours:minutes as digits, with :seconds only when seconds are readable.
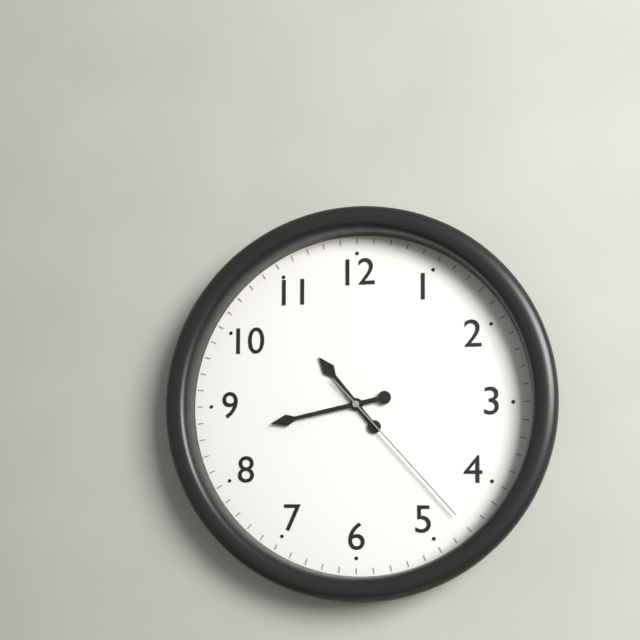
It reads 10:43:23
